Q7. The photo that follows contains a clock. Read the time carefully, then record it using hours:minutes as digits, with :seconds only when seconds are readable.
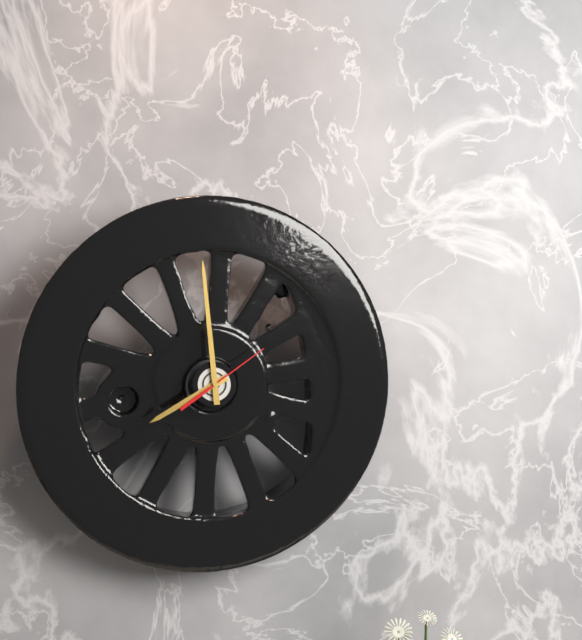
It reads 7:59:09
